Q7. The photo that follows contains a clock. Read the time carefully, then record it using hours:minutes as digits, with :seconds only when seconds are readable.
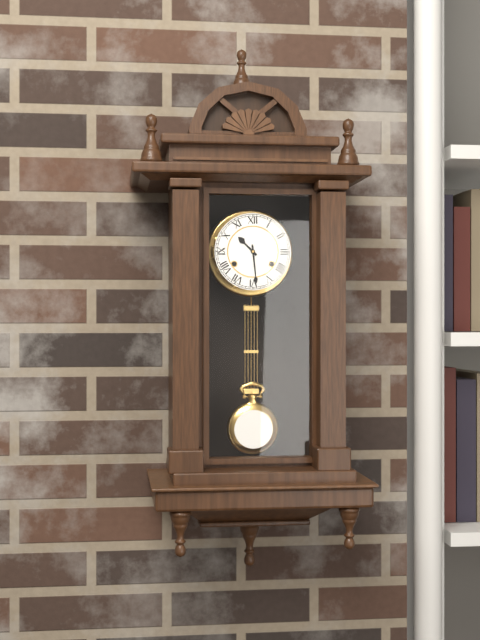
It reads 10:29
